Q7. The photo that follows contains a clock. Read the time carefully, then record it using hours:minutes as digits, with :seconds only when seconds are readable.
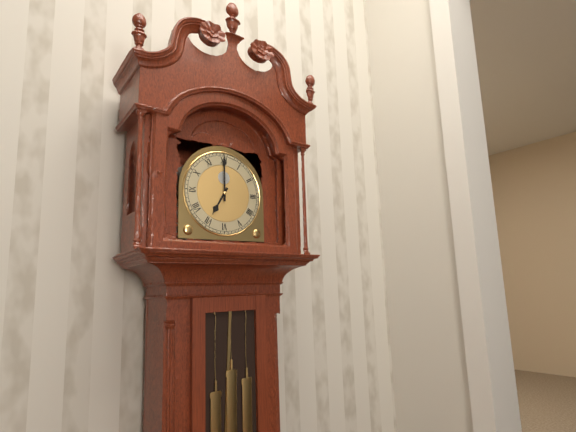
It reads 7:00
